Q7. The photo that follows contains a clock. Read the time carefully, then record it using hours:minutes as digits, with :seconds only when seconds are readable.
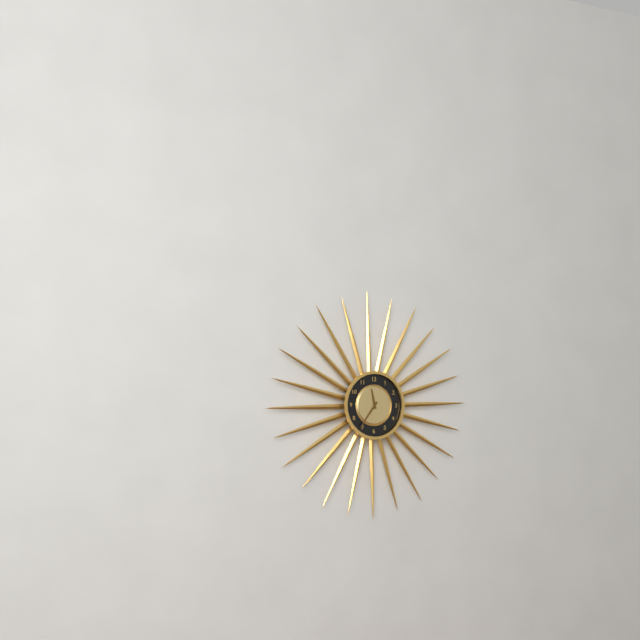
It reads 11:36
